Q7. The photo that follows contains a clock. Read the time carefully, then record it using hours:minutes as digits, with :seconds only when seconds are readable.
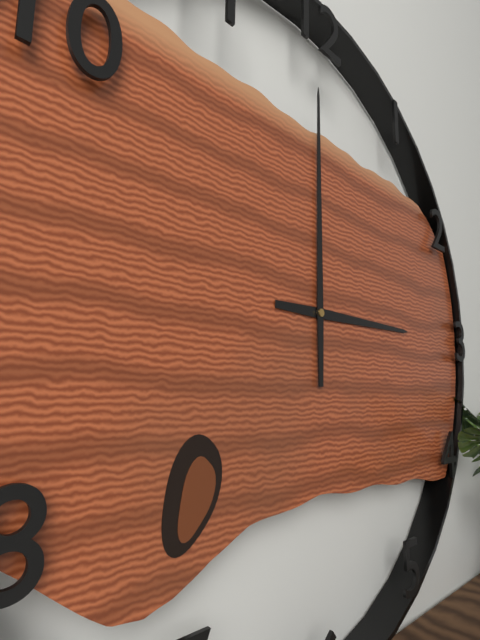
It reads 3:00
